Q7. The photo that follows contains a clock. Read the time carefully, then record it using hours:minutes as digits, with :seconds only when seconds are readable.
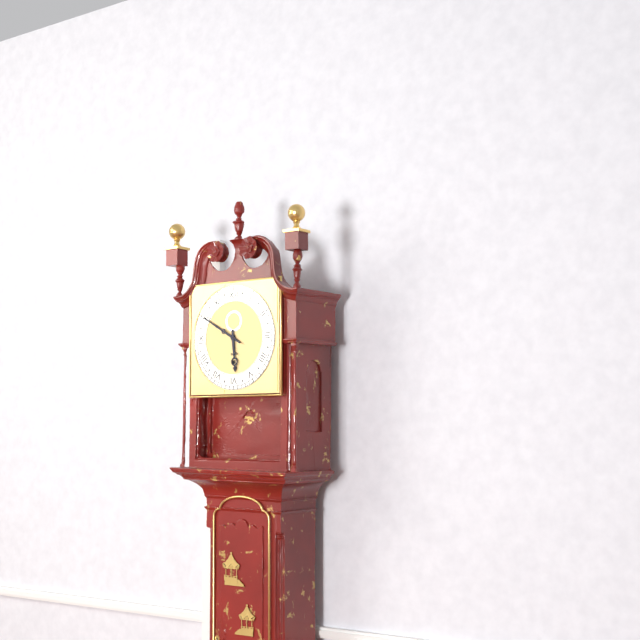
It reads 5:50
